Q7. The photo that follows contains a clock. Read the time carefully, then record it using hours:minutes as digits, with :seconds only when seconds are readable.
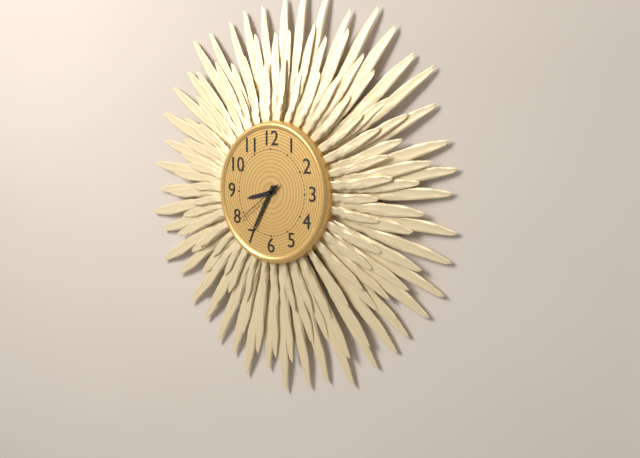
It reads 8:35:39
